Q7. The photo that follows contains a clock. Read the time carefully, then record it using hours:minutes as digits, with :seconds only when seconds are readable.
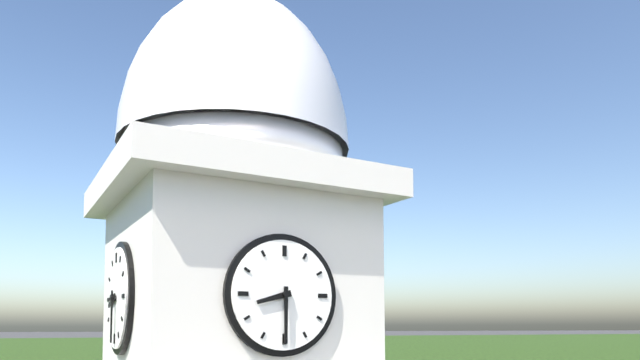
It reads 8:30
